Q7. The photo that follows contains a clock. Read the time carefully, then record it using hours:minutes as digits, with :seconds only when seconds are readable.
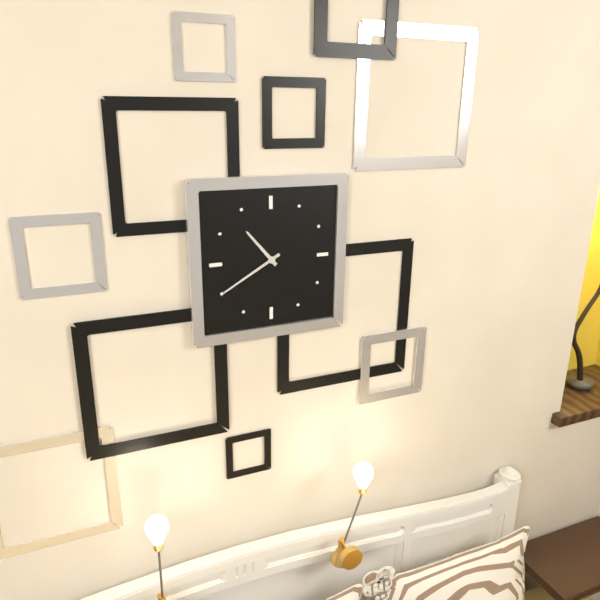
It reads 10:40
